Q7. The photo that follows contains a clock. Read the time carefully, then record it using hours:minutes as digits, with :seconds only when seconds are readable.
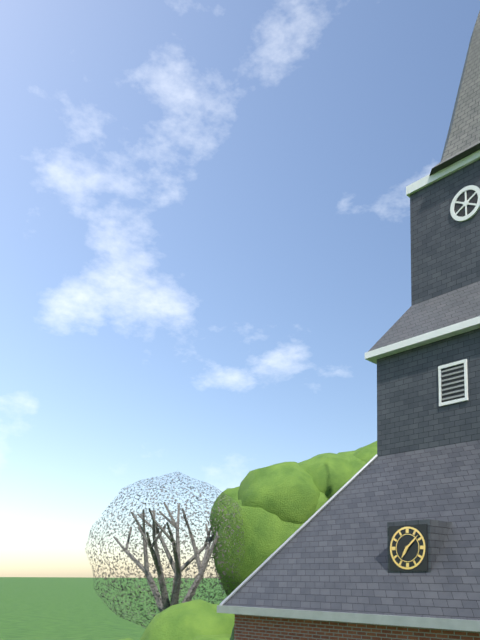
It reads 7:08
